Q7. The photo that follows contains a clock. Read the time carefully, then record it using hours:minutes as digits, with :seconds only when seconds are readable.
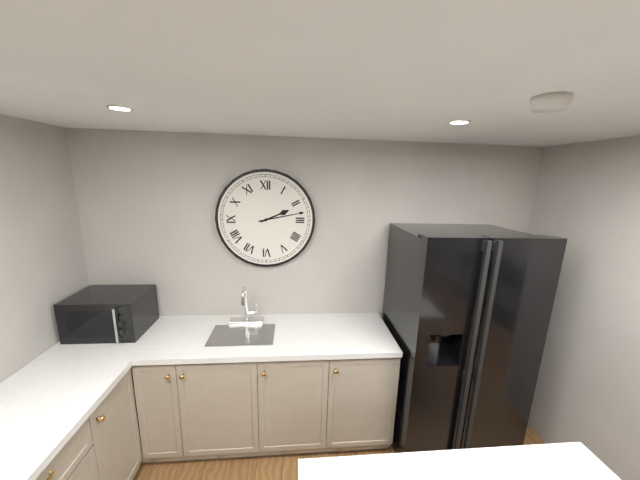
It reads 2:13
